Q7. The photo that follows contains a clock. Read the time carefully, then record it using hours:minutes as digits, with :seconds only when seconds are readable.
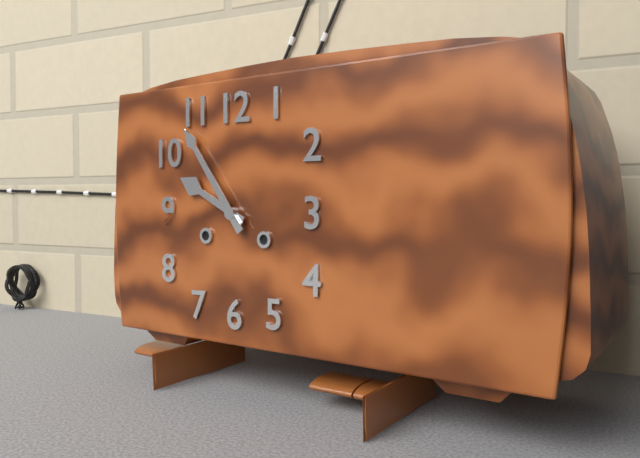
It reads 9:54
